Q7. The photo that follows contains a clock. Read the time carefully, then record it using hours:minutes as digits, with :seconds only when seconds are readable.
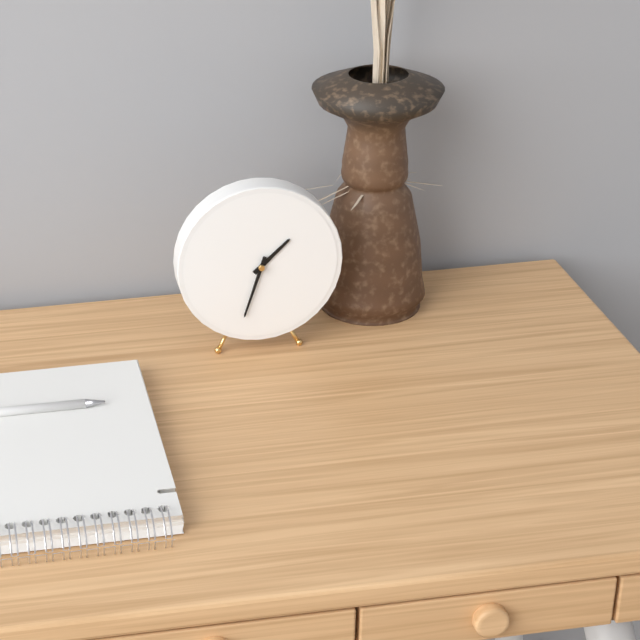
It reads 1:33
